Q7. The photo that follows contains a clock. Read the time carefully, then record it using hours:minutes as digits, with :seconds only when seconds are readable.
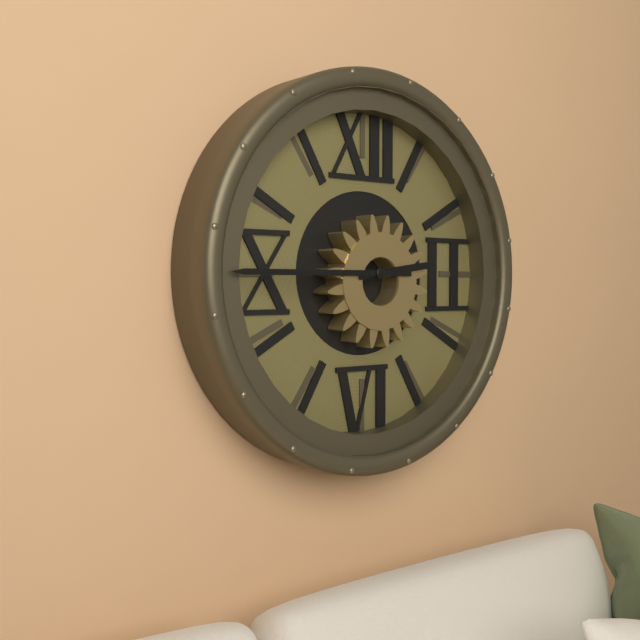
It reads 2:45
